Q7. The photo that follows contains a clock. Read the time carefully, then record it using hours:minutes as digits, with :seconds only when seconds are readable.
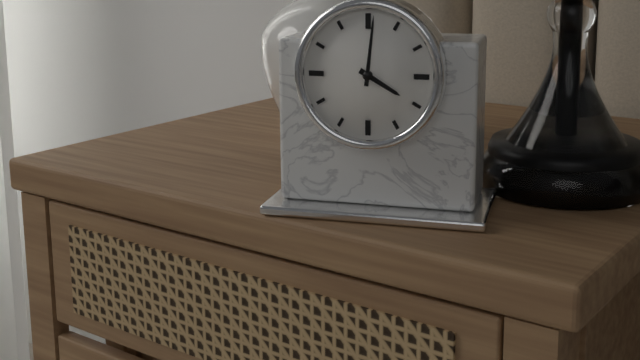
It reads 4:01
